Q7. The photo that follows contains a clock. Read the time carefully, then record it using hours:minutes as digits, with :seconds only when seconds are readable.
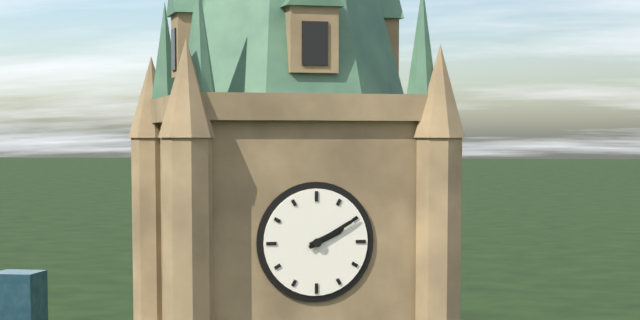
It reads 2:10
